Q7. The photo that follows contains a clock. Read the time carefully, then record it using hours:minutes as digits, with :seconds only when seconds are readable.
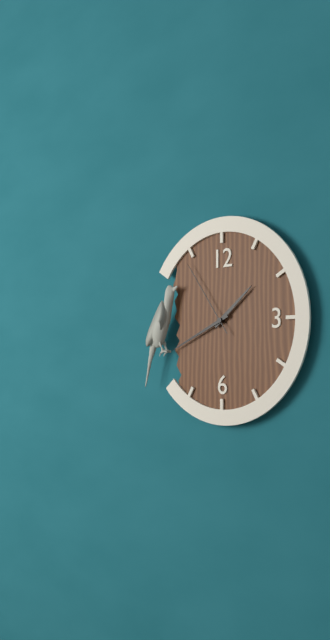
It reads 1:41:54
